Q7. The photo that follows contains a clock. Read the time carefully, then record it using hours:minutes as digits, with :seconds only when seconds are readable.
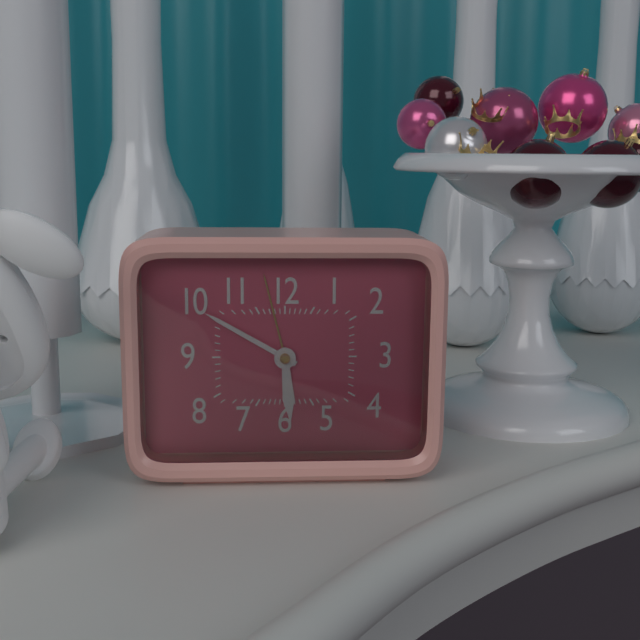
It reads 5:50
